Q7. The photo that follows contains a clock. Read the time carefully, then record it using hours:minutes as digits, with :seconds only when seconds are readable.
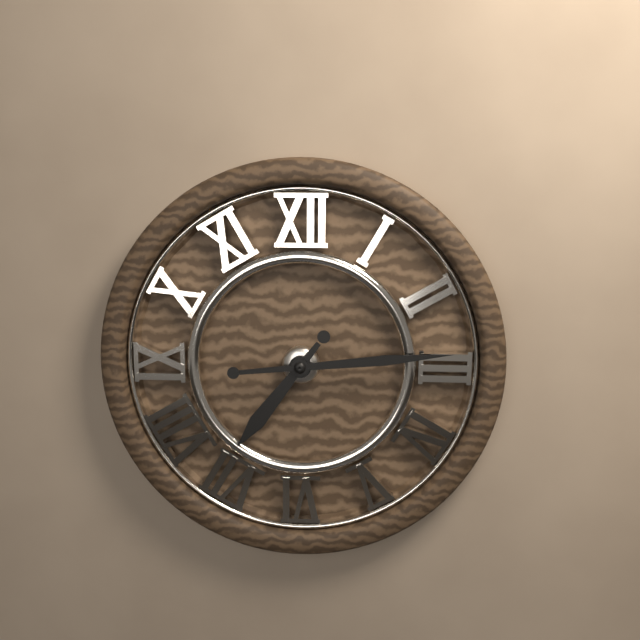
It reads 7:14
